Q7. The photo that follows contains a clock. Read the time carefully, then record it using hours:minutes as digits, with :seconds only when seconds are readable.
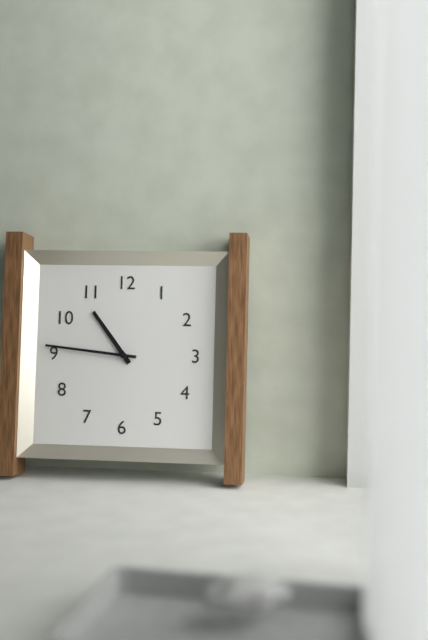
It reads 10:46
